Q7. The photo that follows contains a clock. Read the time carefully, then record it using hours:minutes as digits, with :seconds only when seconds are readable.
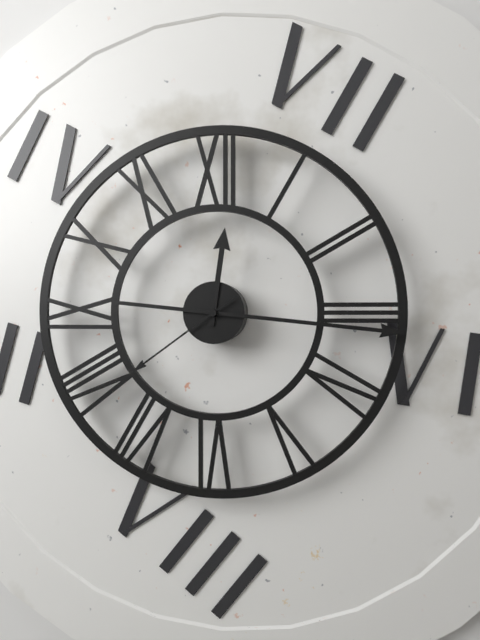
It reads 12:16:39
